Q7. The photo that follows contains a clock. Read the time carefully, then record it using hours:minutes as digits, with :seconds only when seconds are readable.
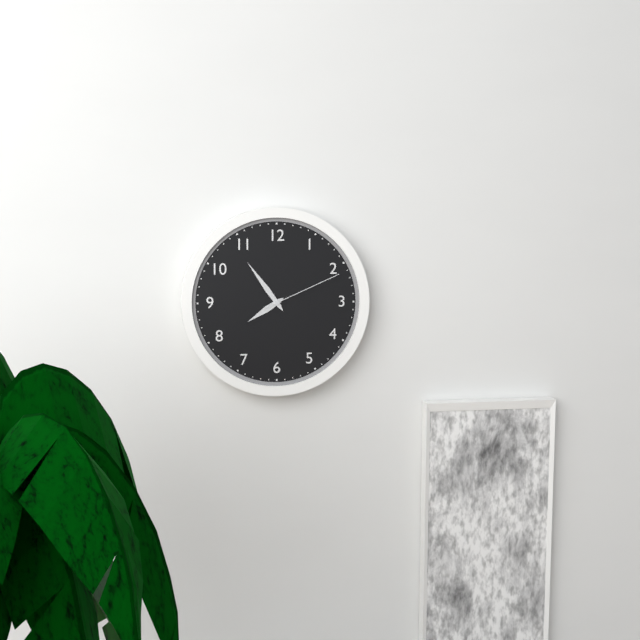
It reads 7:54:11
